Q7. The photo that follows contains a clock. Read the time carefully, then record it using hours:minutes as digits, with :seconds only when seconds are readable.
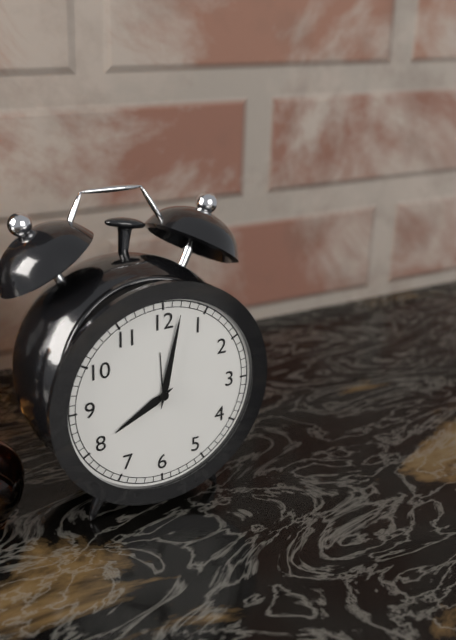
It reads 8:02
